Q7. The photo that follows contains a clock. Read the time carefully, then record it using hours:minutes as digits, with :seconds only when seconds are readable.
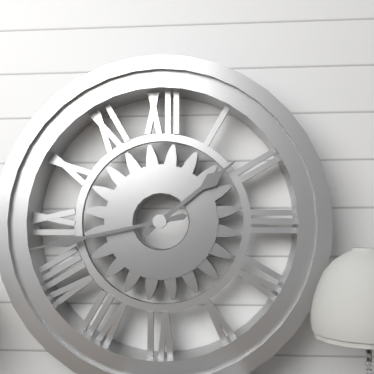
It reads 1:43
